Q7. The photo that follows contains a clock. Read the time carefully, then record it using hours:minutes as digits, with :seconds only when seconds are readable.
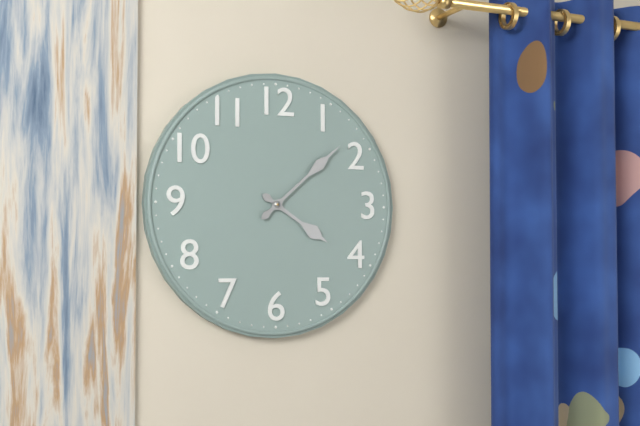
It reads 4:08
